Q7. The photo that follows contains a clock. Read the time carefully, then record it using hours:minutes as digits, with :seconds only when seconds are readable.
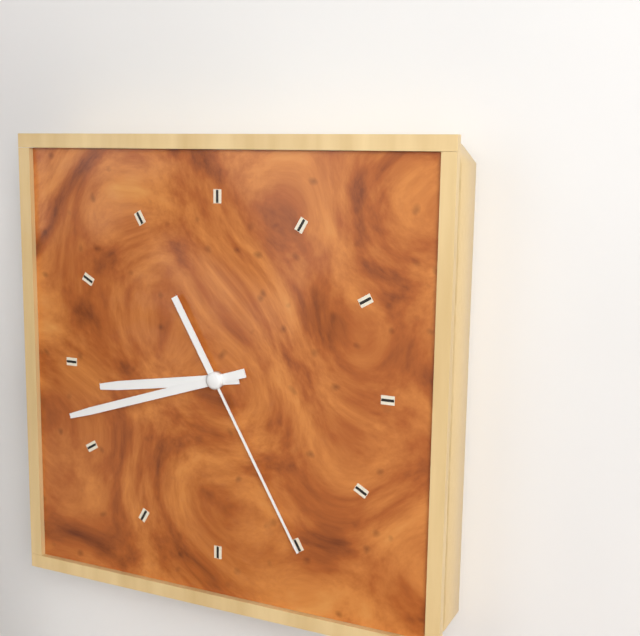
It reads 8:42:25
